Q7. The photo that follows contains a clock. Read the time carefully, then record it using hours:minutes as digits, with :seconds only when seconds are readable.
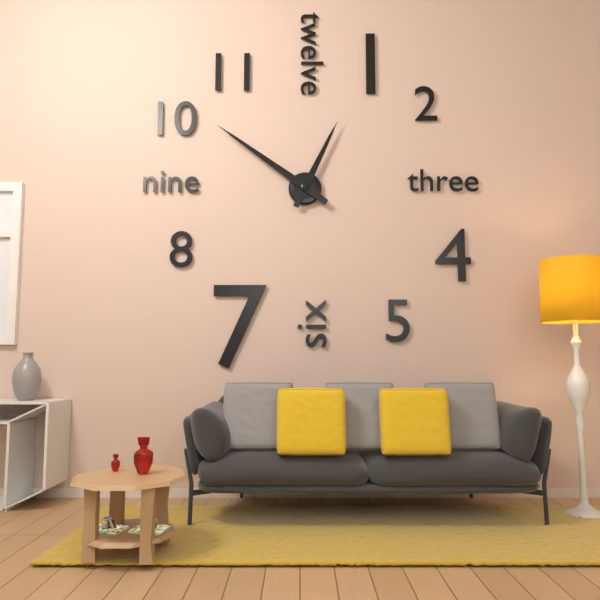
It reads 12:51
